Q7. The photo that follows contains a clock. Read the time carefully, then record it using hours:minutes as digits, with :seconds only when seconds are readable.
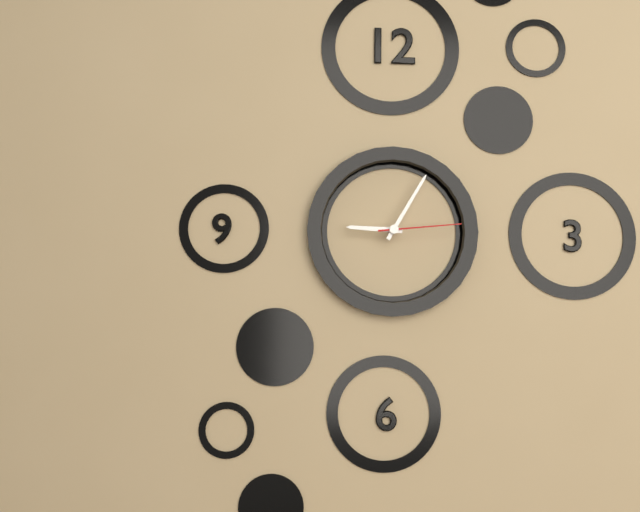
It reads 9:05:14
